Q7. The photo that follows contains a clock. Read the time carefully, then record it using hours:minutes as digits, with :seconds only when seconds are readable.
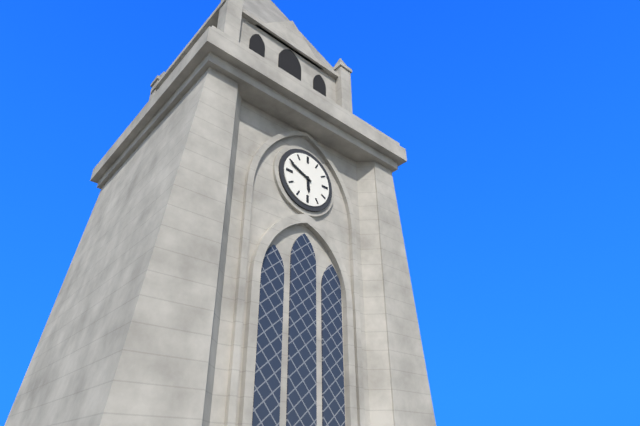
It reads 5:49
